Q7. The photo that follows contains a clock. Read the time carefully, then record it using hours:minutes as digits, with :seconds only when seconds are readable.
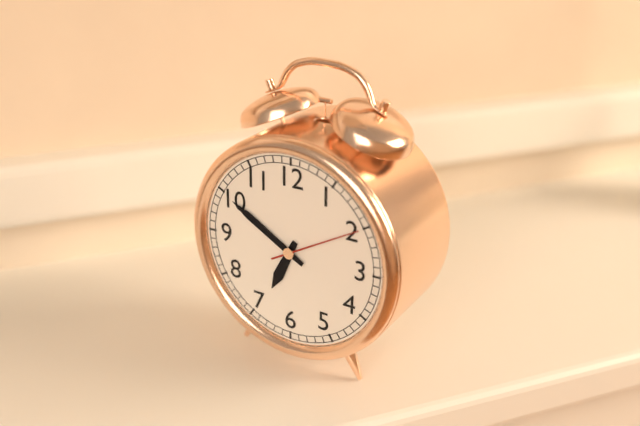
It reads 6:50:10
